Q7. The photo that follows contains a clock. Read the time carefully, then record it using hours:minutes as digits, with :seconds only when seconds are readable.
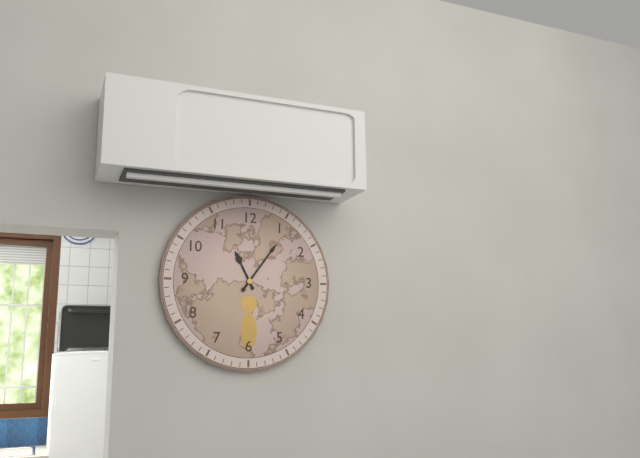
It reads 11:06
